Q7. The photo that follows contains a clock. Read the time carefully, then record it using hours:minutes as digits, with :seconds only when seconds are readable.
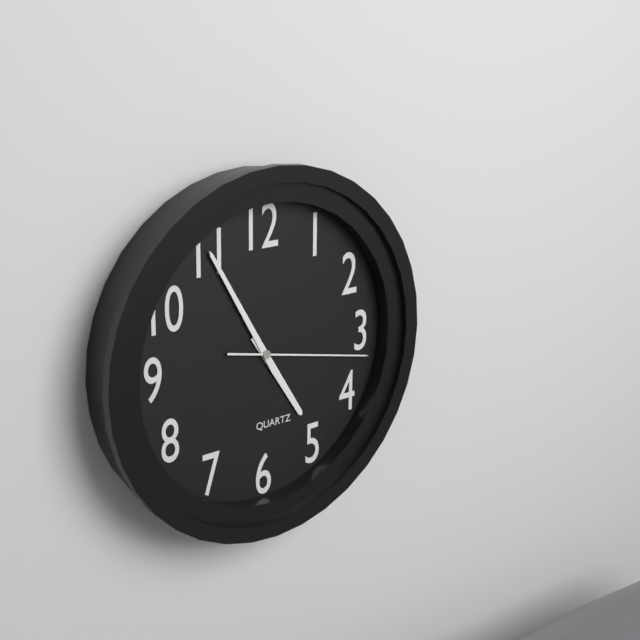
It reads 4:55:17
